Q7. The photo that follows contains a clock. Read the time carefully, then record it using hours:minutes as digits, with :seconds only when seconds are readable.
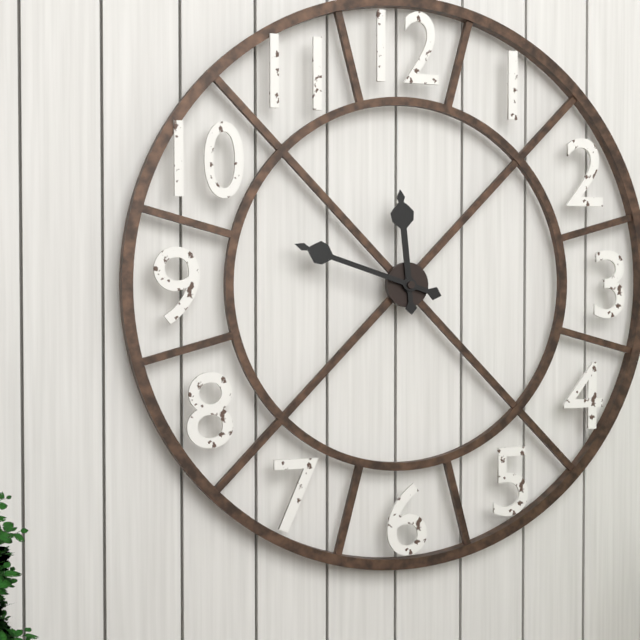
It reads 11:48
